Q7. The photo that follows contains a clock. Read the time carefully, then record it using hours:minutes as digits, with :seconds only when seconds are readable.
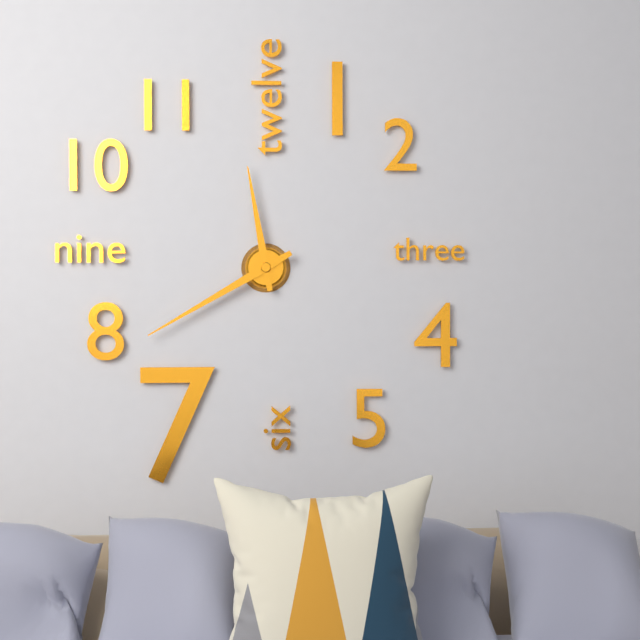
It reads 11:40
